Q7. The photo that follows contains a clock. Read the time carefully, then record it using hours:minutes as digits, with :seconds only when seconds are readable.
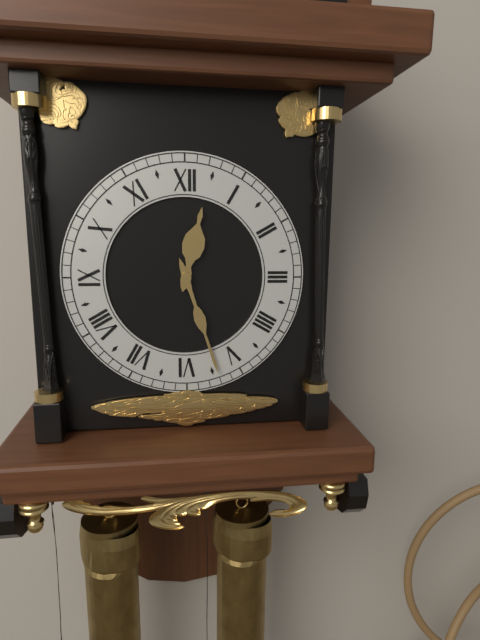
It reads 12:27
